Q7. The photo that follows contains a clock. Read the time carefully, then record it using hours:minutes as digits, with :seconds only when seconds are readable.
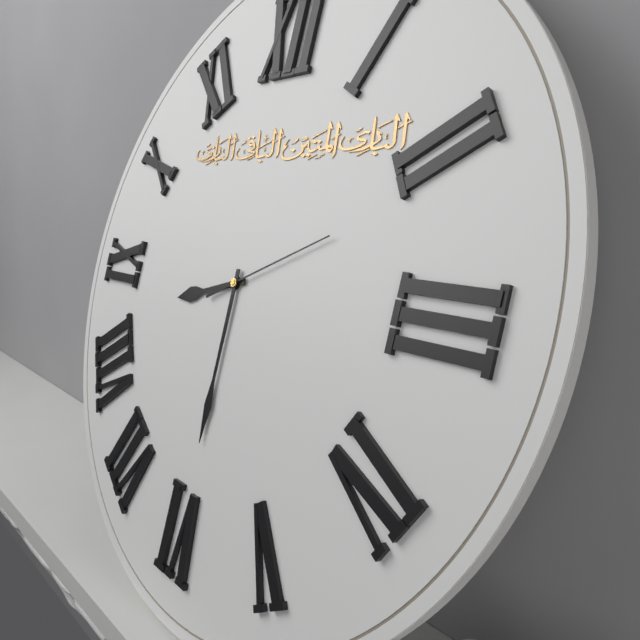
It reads 8:30:11
